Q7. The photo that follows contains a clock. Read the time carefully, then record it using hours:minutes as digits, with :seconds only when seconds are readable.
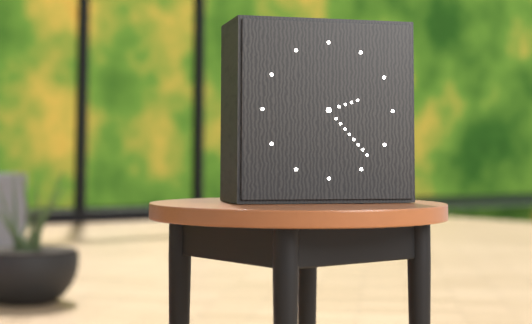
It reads 2:23
